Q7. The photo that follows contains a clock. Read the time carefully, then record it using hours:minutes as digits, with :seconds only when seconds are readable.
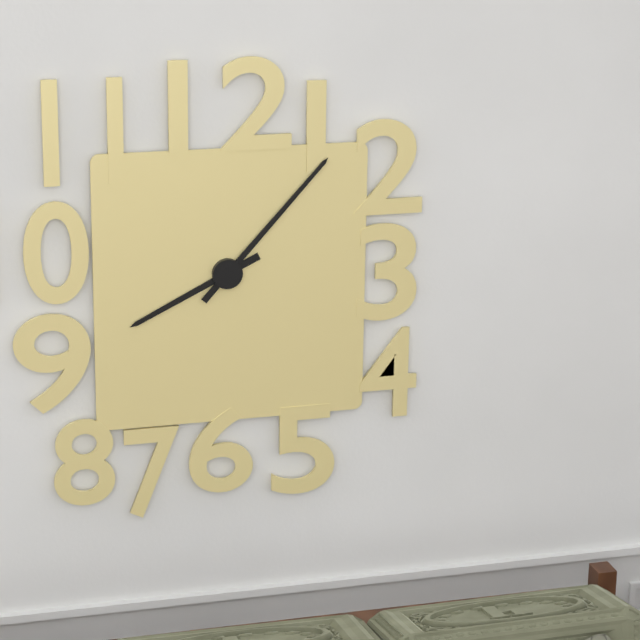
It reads 8:07
